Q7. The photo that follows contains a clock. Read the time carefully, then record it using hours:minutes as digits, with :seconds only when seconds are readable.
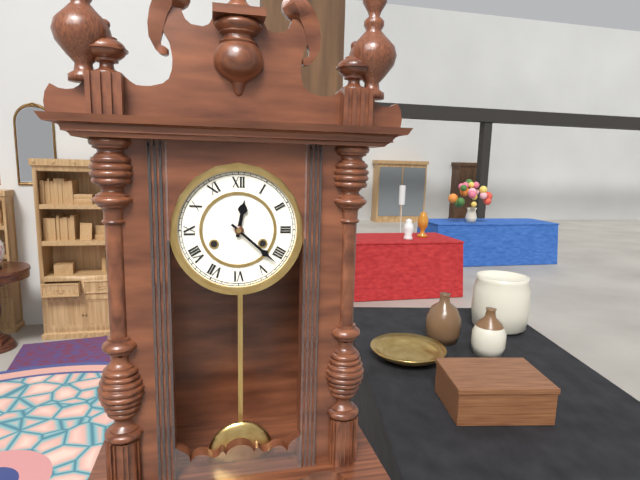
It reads 12:22
